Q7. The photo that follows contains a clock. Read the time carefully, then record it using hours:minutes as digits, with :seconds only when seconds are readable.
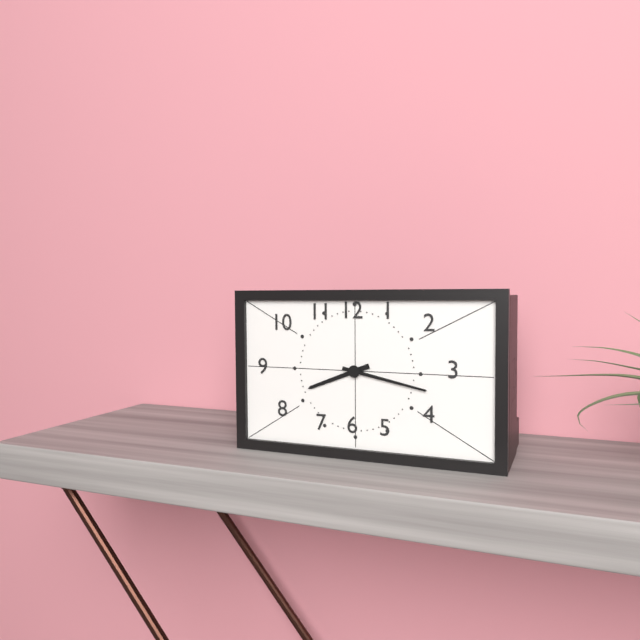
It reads 8:17
